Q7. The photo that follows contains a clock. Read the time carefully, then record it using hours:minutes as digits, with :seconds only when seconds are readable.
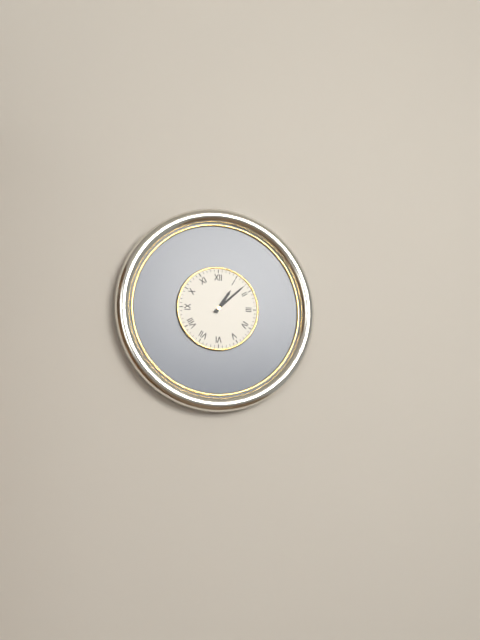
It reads 1:08
